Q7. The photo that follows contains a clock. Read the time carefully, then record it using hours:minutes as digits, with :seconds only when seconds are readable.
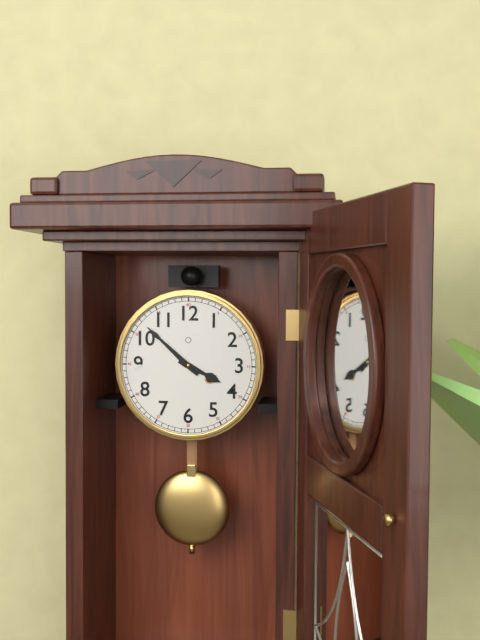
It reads 3:52
